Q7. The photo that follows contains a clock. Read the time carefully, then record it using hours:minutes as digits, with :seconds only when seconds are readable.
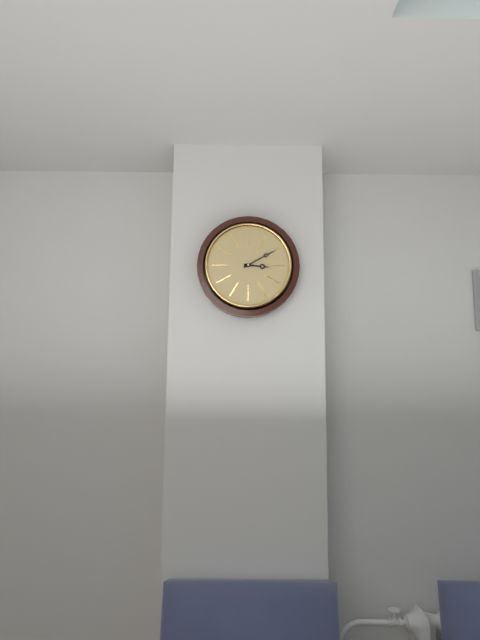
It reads 3:10
